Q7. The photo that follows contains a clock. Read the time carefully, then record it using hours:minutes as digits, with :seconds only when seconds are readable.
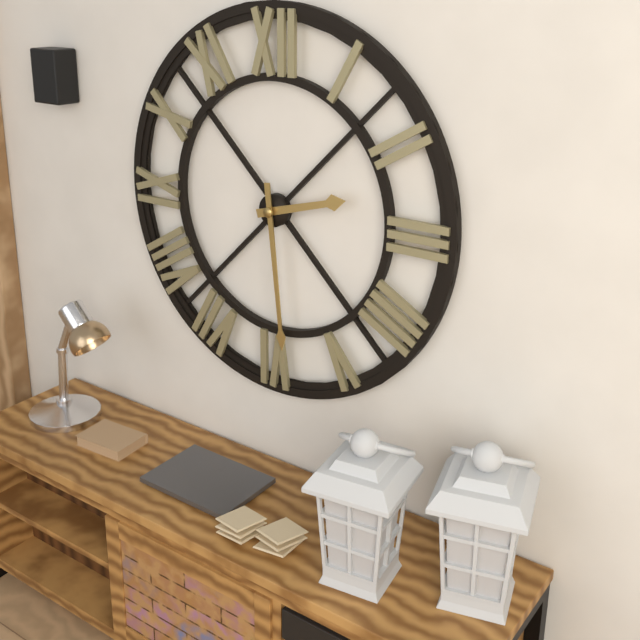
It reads 2:29
